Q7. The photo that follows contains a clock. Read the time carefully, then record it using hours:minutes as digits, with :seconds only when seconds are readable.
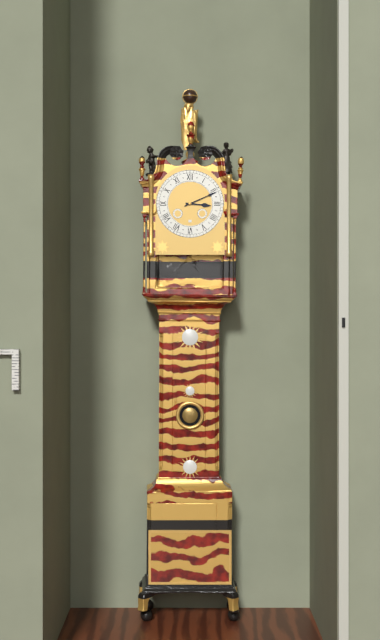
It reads 3:11
